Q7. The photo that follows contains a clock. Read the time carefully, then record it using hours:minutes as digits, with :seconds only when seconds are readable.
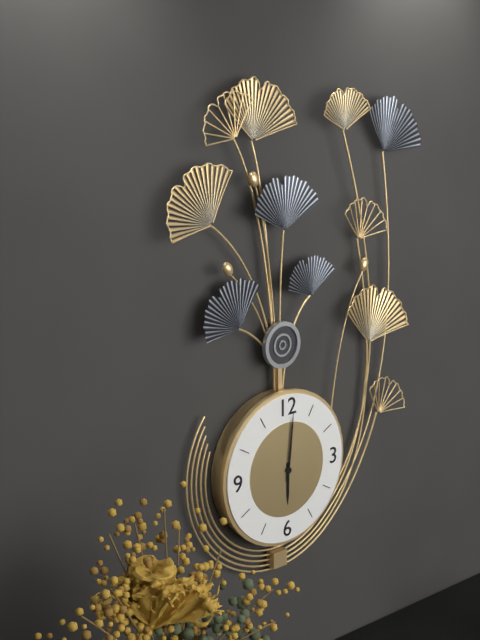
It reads 6:01
